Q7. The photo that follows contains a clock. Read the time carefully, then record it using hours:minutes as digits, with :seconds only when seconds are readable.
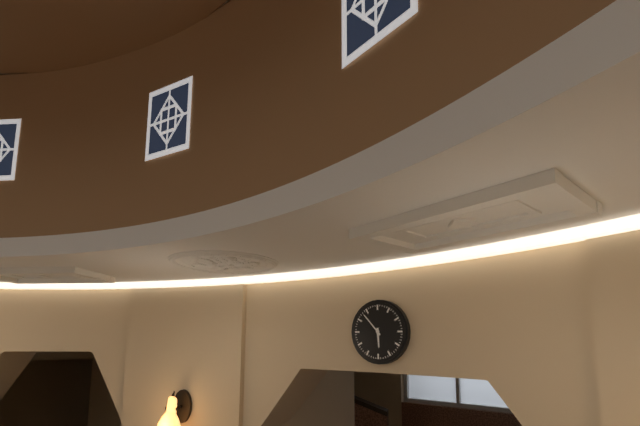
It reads 5:53
